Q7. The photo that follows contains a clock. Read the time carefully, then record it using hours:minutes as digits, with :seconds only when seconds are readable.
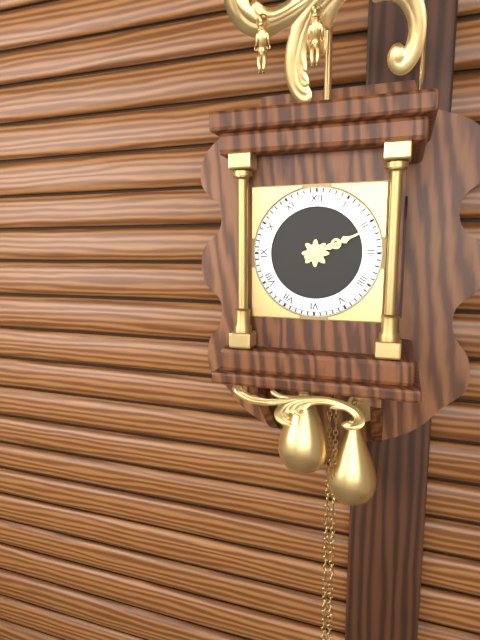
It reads 2:11
